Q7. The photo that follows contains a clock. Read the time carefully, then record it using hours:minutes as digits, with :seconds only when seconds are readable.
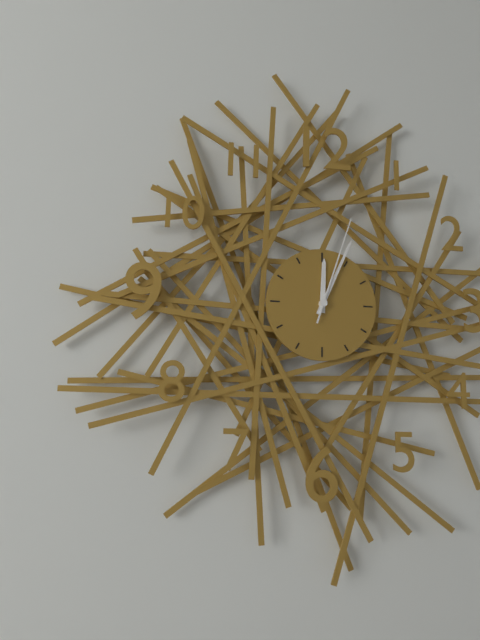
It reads 12:04:03
